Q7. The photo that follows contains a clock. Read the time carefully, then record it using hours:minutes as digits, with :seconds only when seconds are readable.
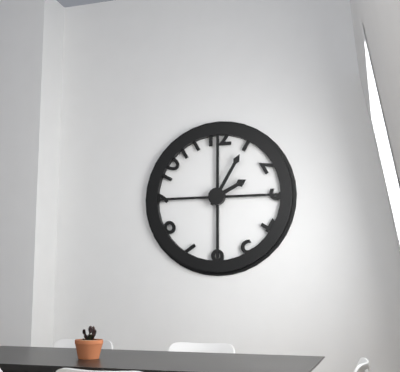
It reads 2:05
